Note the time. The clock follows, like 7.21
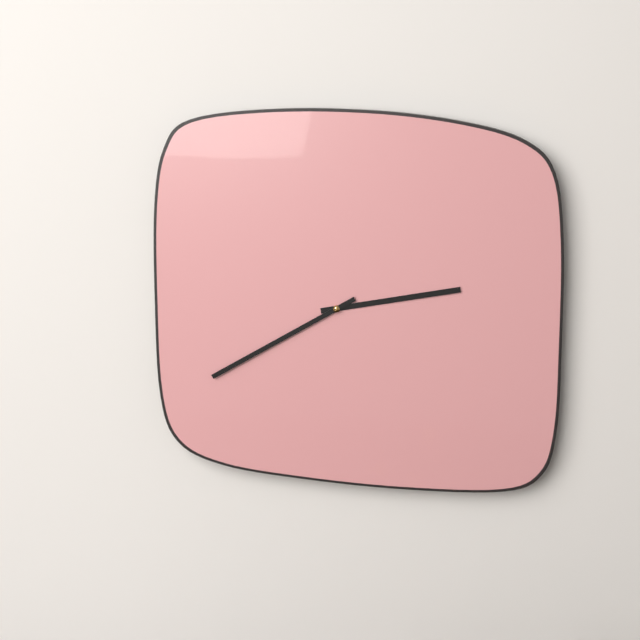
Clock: 2.40
